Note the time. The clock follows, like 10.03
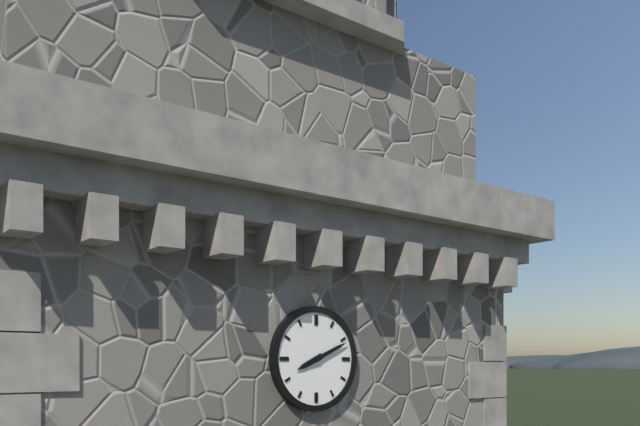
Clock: 8.11
